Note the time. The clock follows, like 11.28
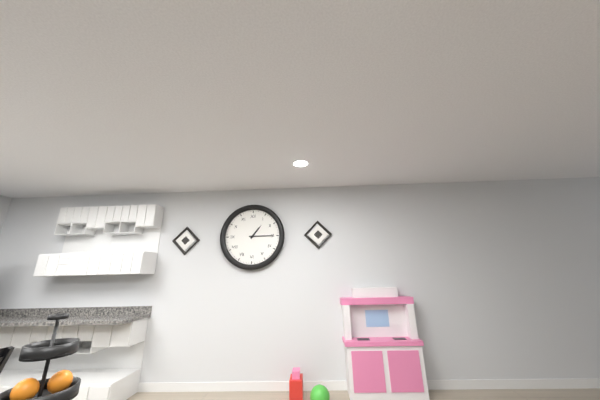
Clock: 1.15
